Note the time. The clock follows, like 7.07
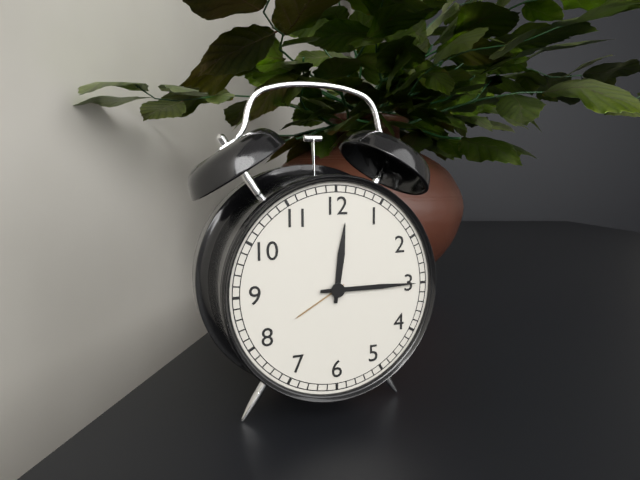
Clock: 12.15
